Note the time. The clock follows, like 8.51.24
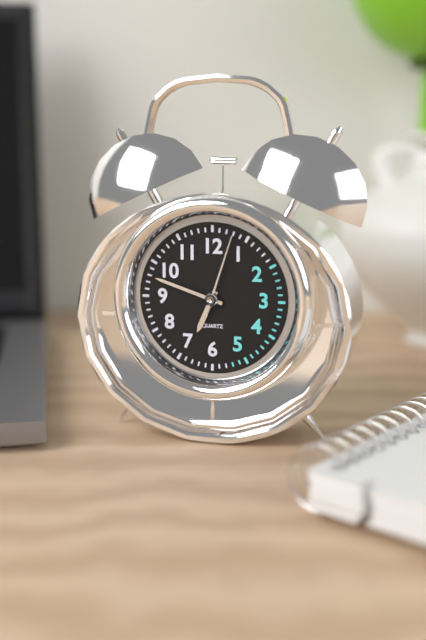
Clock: 6.48.03
